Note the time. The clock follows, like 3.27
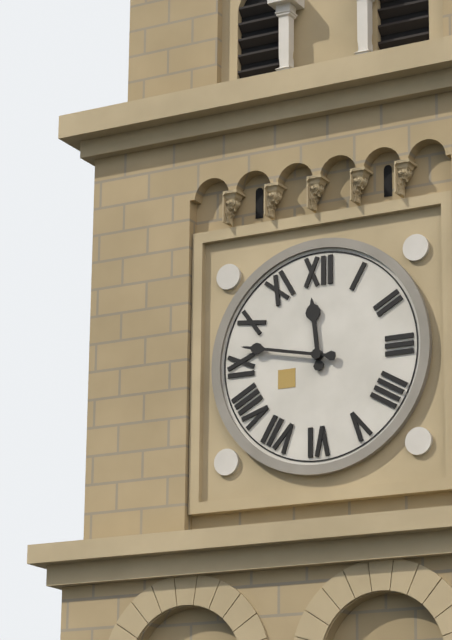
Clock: 11.47
